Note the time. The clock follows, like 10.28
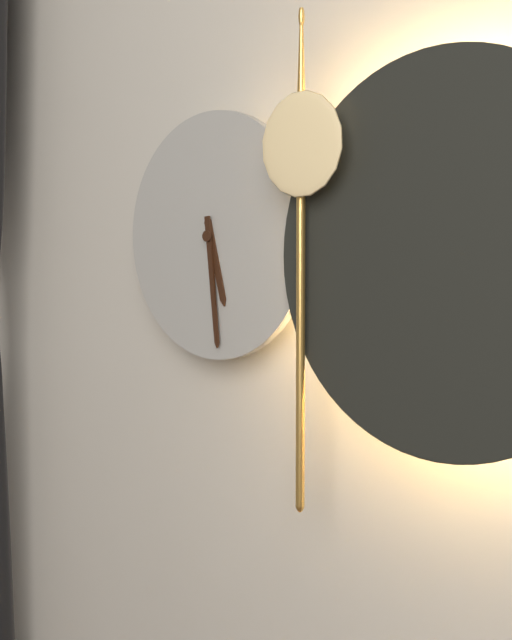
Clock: 5.29
